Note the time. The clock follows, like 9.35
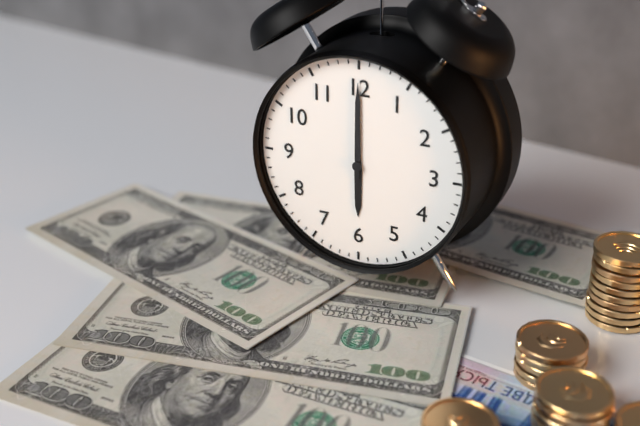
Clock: 6.00
